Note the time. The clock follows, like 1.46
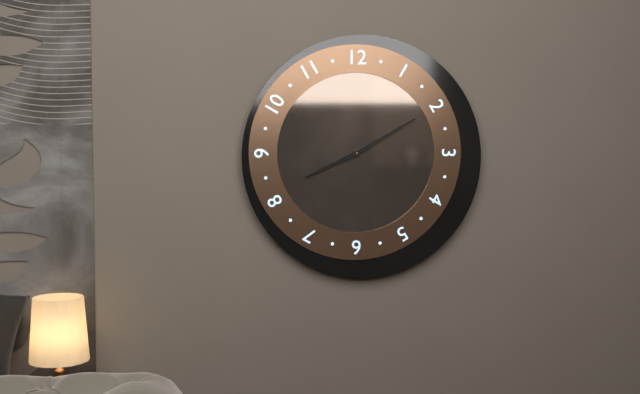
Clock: 8.10
